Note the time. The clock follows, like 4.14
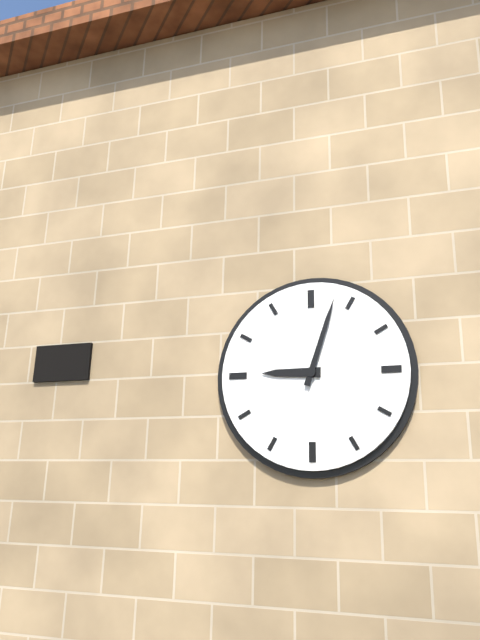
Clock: 9.03
